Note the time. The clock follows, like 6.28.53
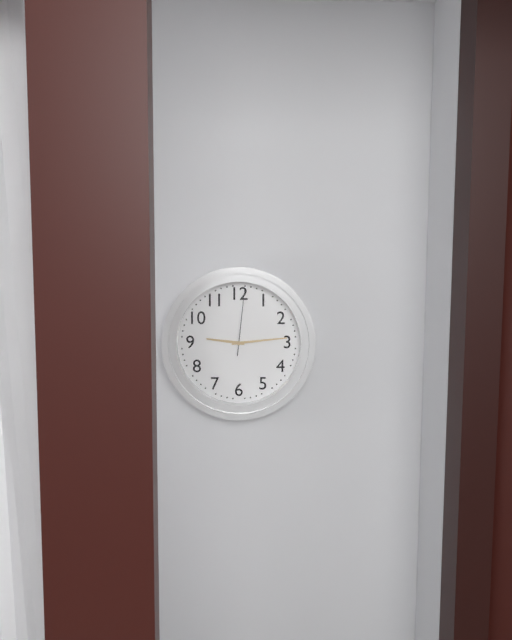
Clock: 9.14.01
